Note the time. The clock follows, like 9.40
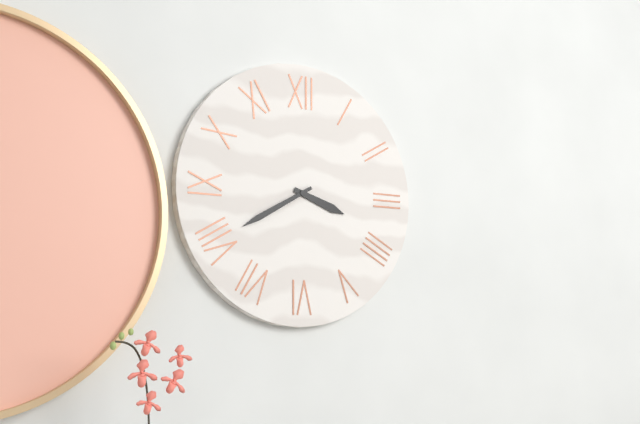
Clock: 3.40
